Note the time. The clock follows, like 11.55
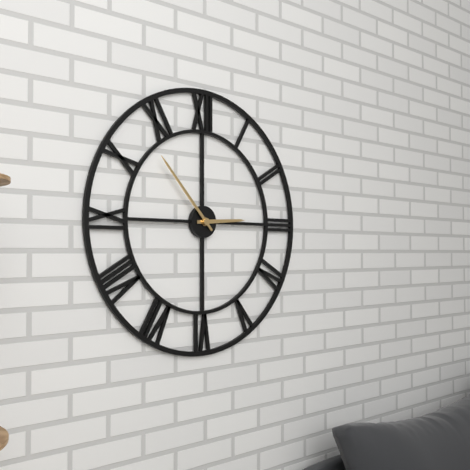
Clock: 2.53
